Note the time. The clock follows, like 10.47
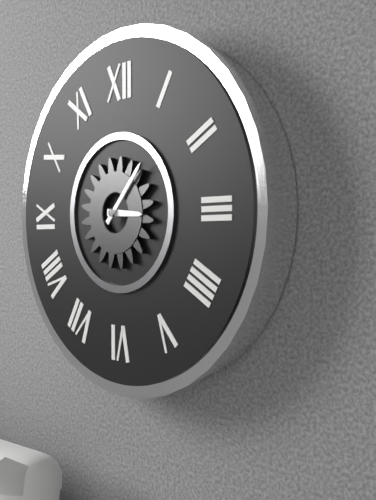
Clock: 3.07
